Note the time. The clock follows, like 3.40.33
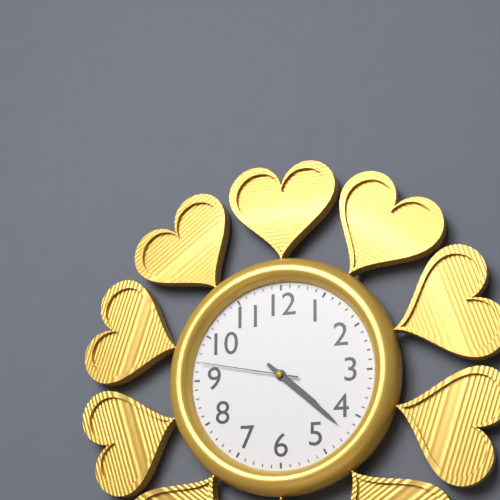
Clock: 4.22.47
